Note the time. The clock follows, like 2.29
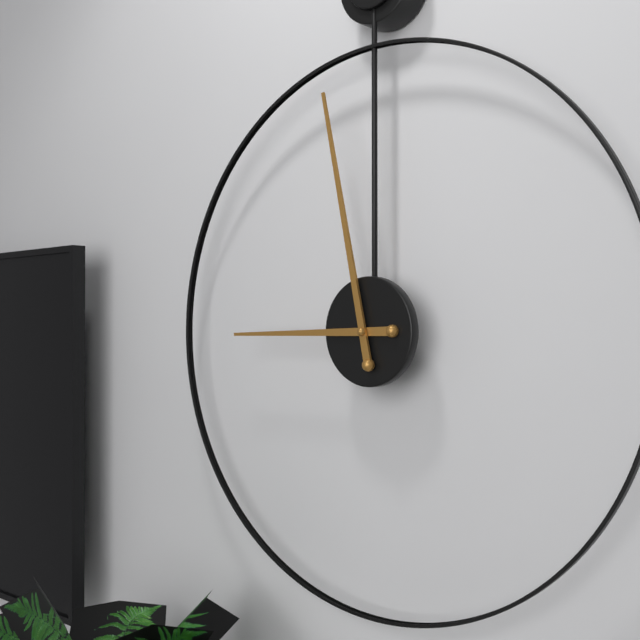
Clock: 8.58
